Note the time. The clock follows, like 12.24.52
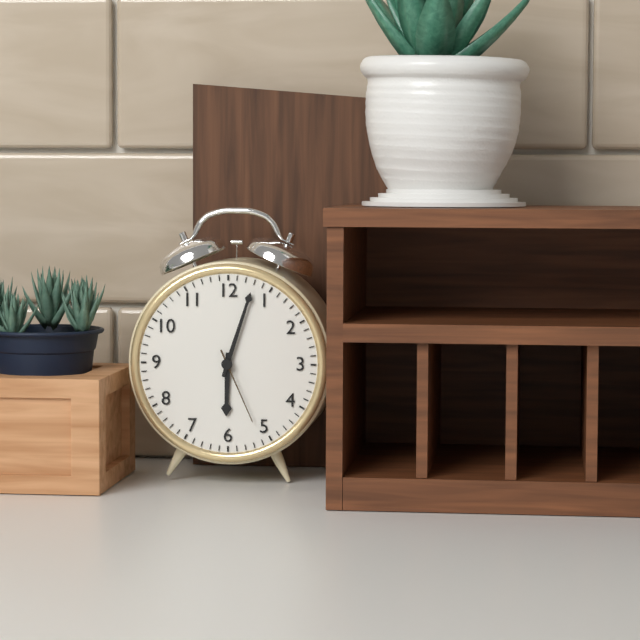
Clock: 6.03.26
